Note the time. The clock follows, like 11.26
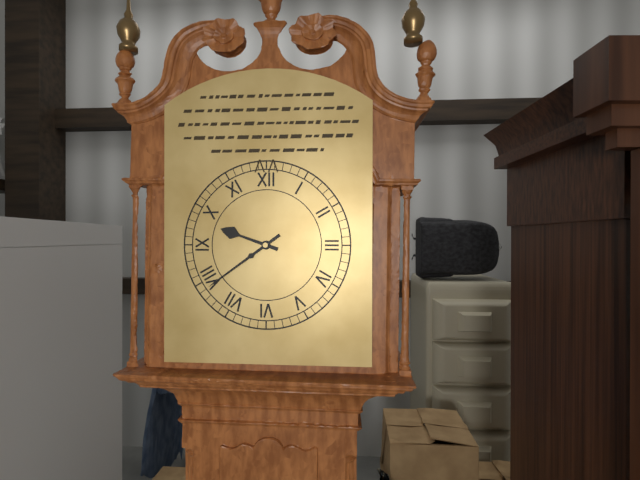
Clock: 9.39
